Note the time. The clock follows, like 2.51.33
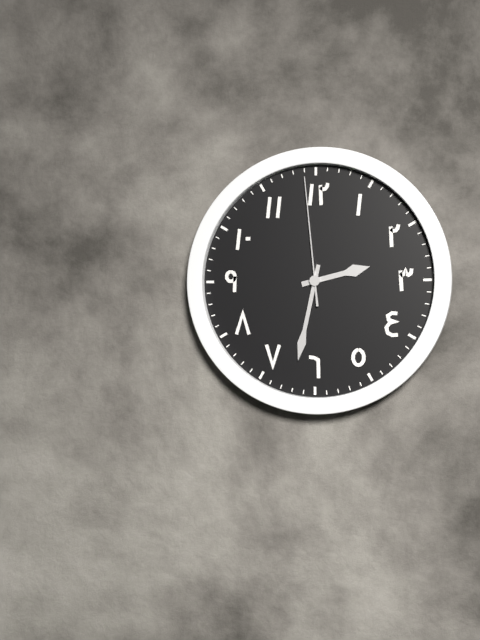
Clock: 2.32.59
